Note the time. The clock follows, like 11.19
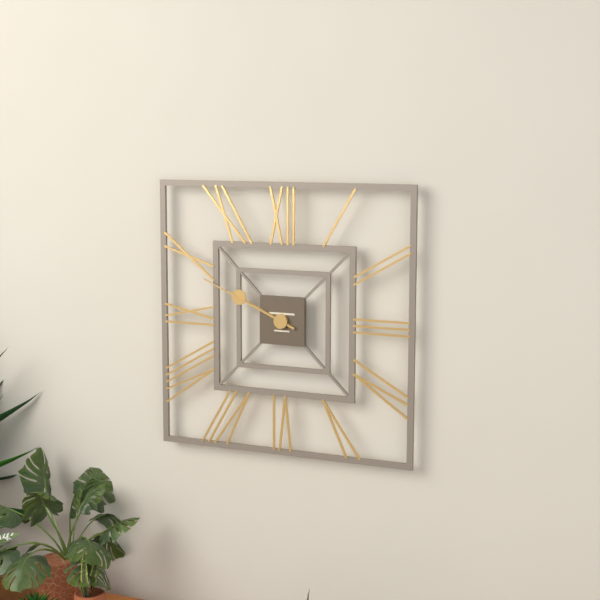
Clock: 9.49
